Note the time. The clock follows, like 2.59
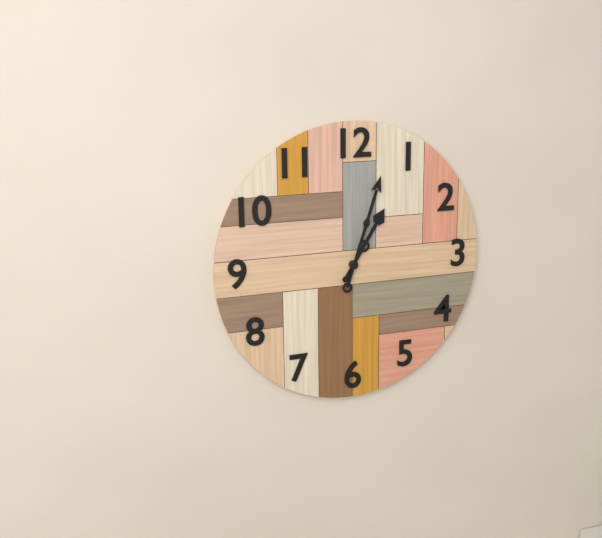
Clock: 1.03
